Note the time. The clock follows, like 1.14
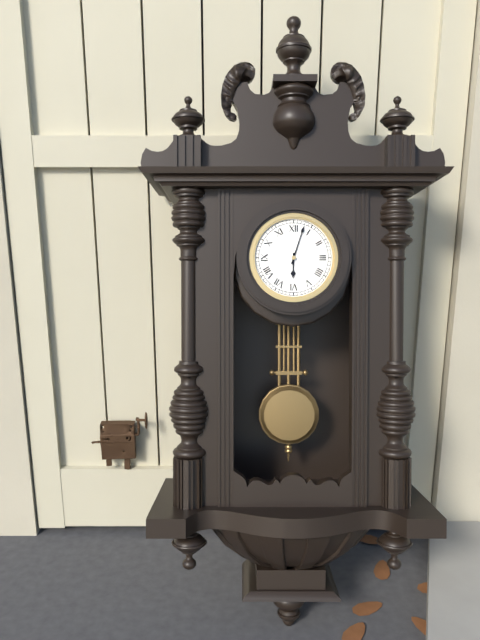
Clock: 6.03
